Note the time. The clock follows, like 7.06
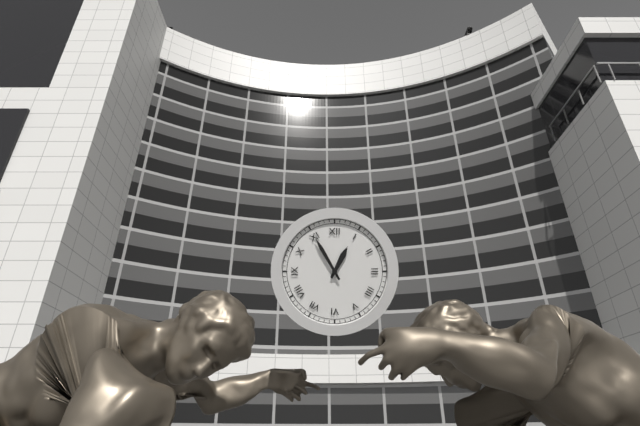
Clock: 12.55
